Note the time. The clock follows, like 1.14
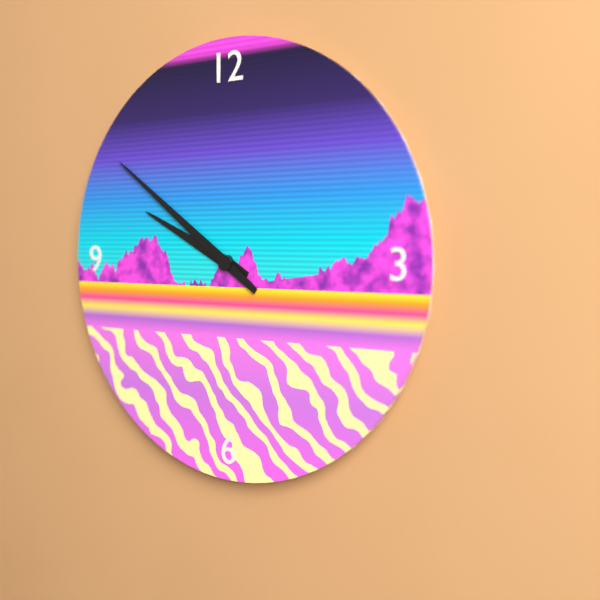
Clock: 9.51
